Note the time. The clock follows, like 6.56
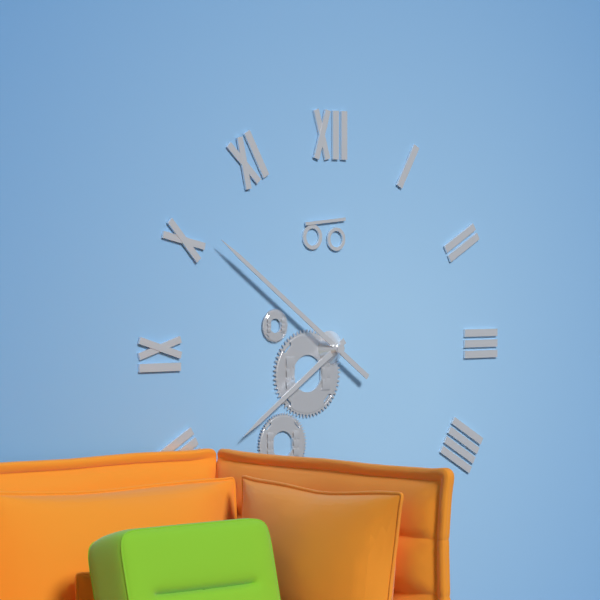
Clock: 7.51
